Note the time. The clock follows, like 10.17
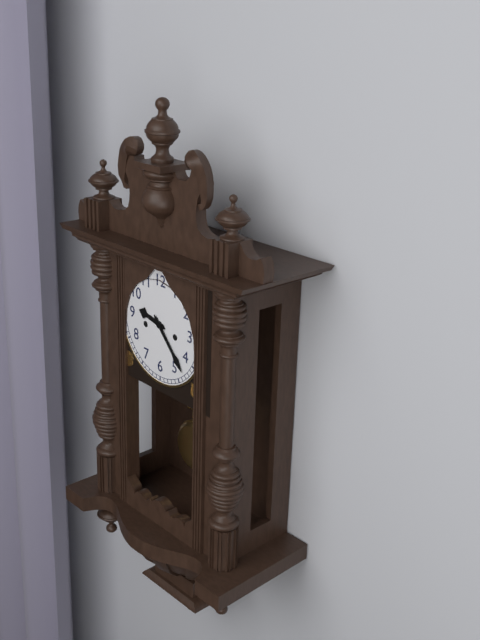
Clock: 9.23
